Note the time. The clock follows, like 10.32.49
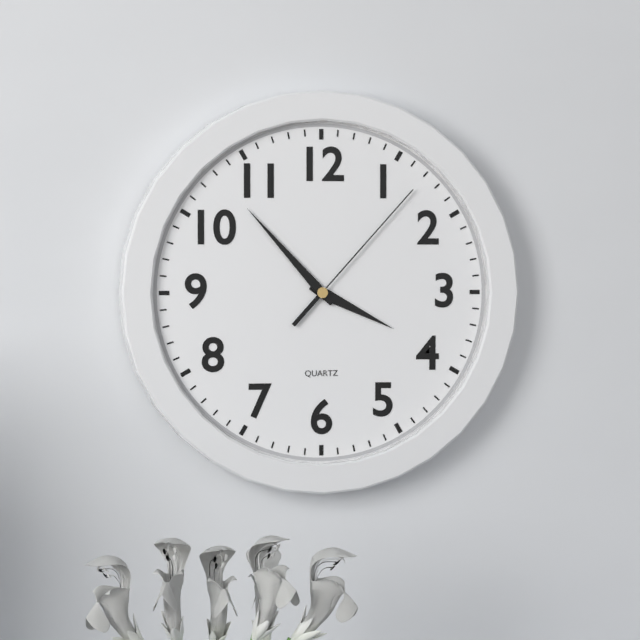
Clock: 3.53.07
